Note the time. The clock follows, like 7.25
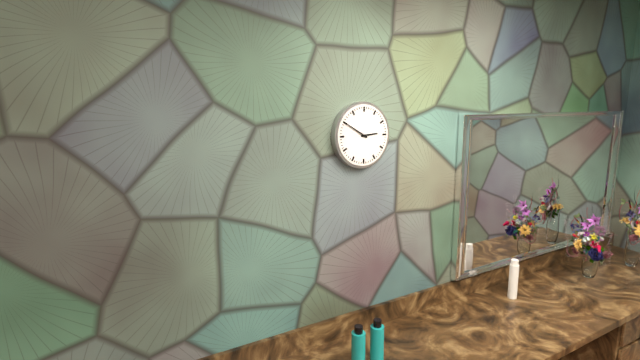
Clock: 2.50
